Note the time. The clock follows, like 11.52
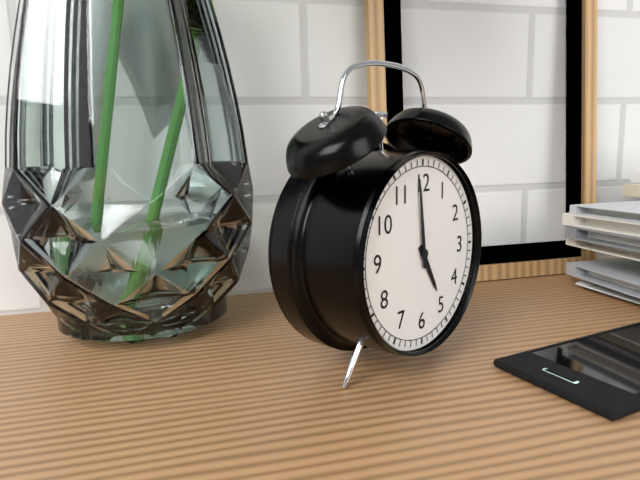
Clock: 4.59
